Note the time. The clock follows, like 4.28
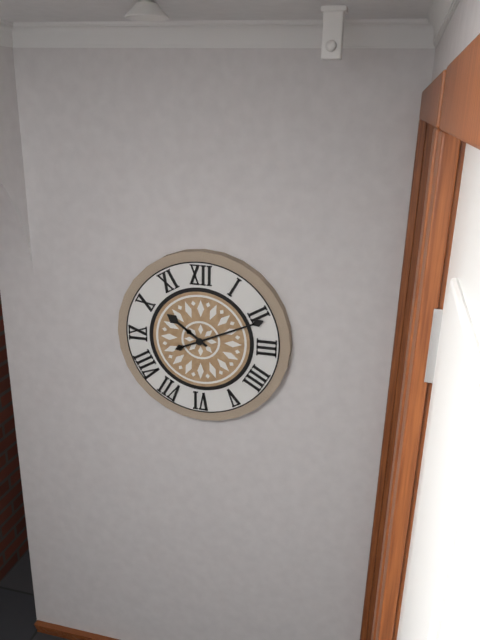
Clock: 10.11
